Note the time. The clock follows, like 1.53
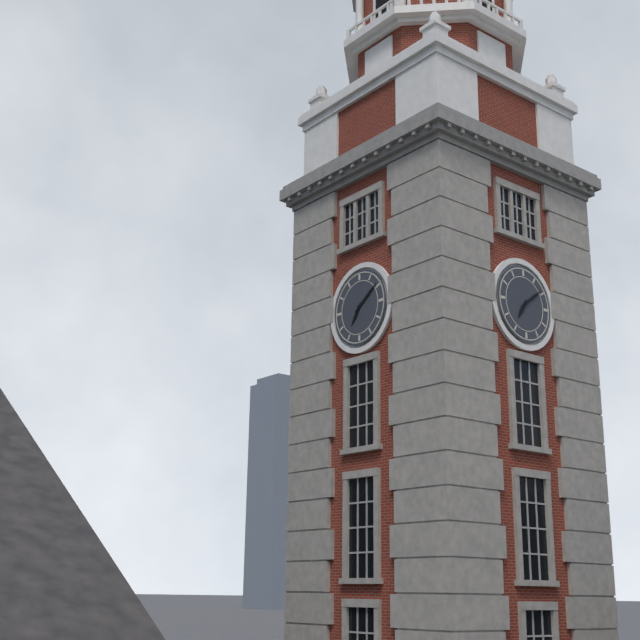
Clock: 7.09
